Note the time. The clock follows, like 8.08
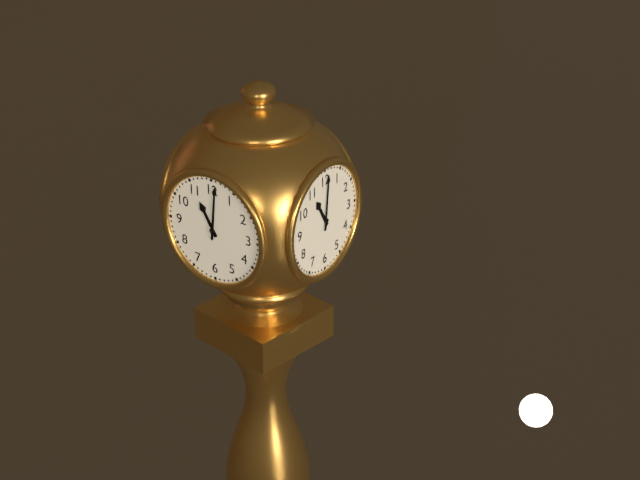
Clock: 11.01
